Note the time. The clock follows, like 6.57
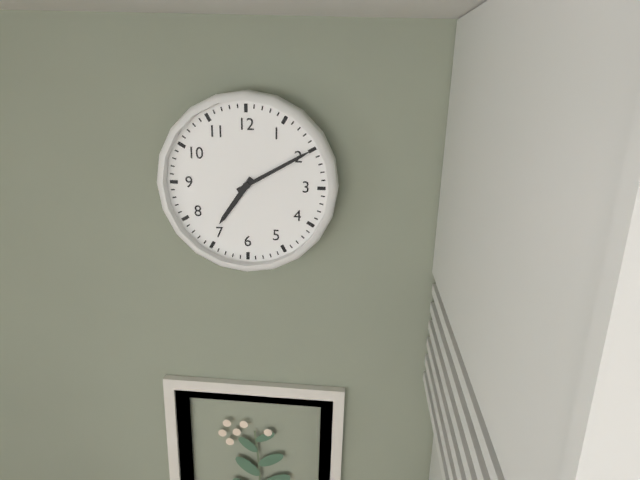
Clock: 7.10
